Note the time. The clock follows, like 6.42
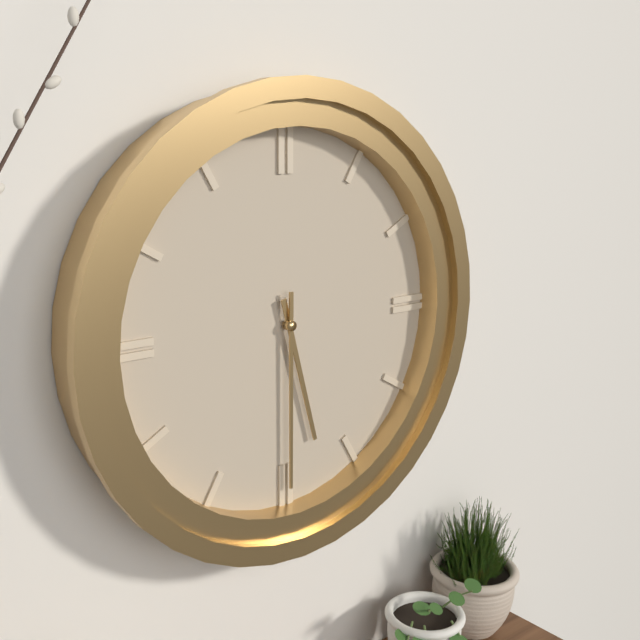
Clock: 5.30
